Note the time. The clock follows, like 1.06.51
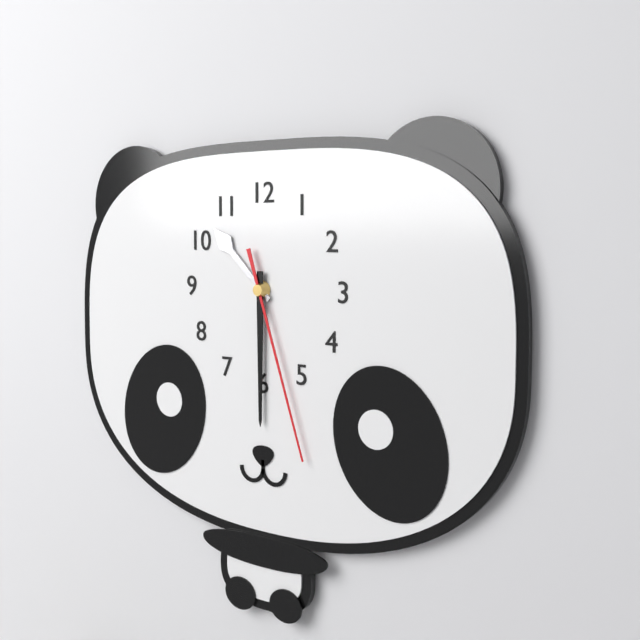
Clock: 10.30.27
